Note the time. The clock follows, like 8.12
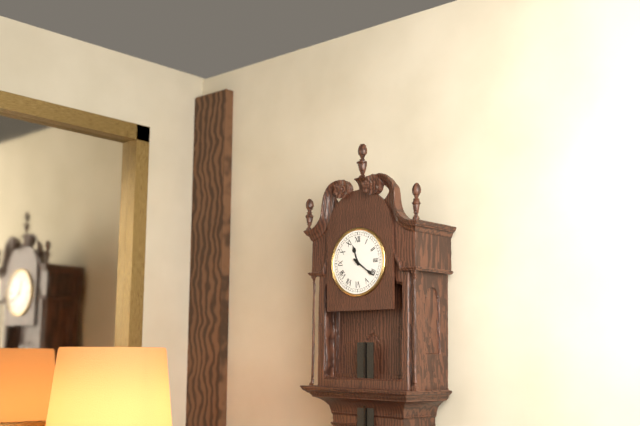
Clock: 11.21
